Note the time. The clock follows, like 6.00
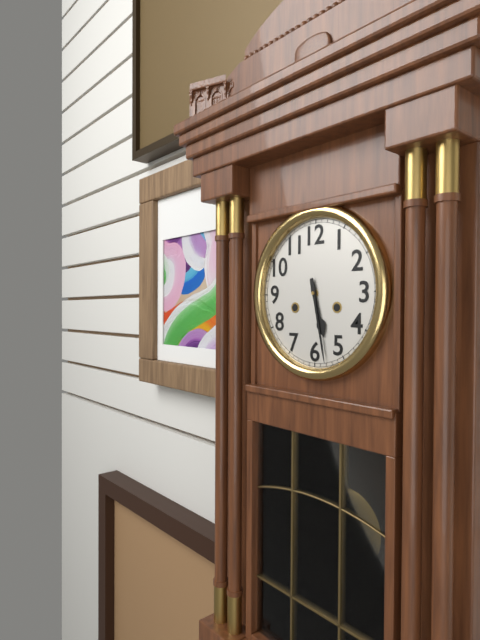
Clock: 5.28
